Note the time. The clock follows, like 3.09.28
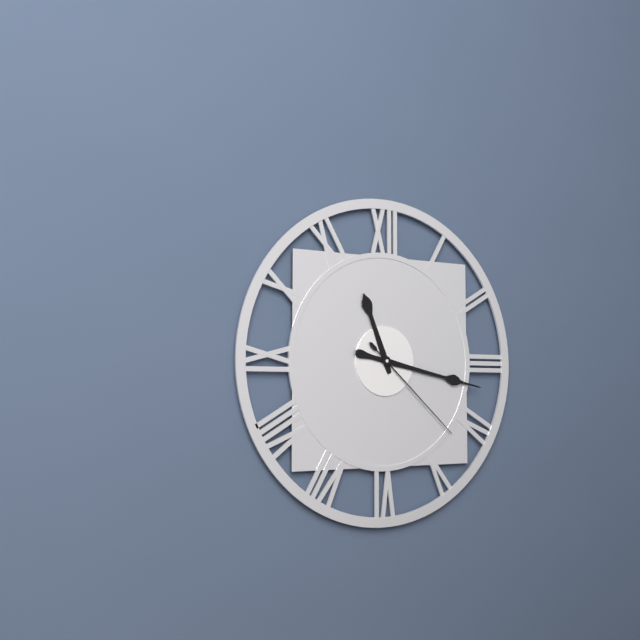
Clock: 11.17.22
